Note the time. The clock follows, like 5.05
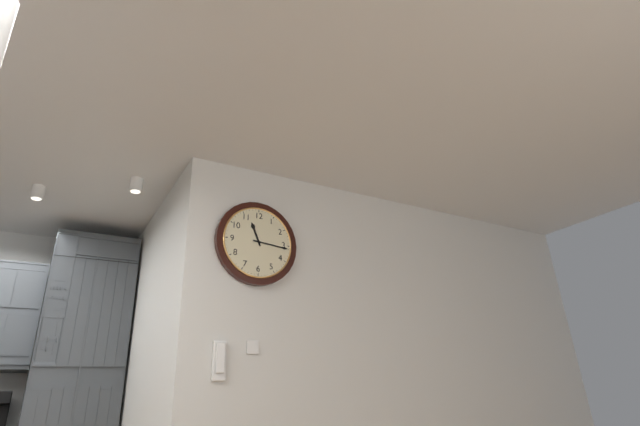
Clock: 11.16
